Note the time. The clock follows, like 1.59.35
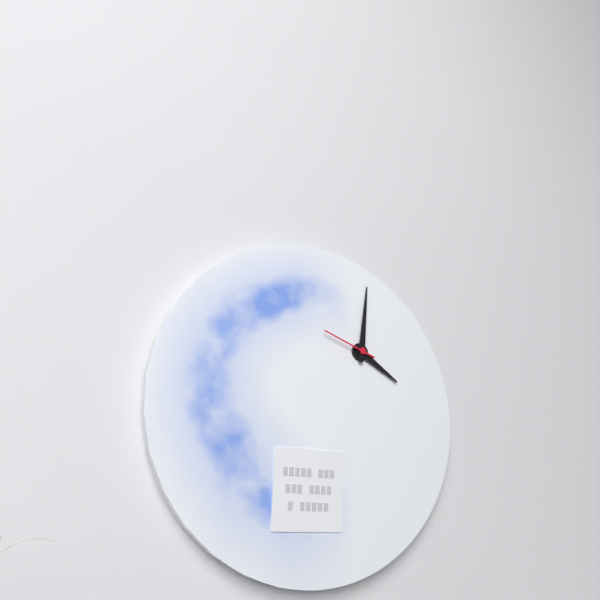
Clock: 4.01.48
